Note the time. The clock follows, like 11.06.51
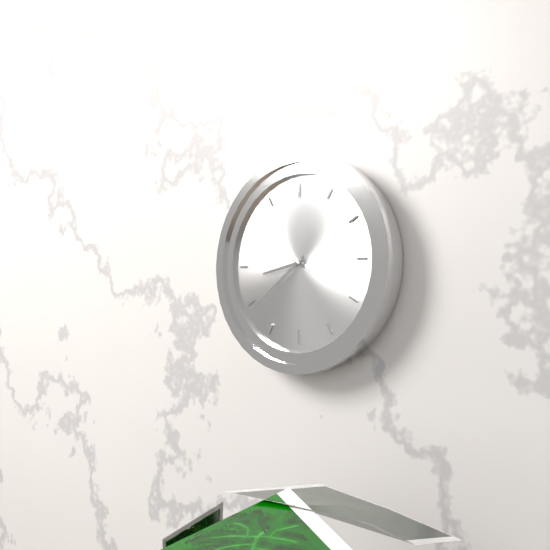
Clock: 8.39.50
